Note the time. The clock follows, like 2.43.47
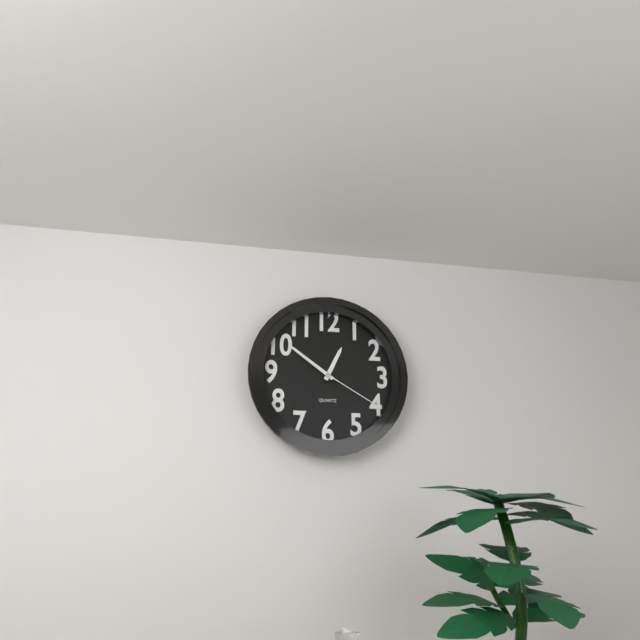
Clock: 12.51.20
